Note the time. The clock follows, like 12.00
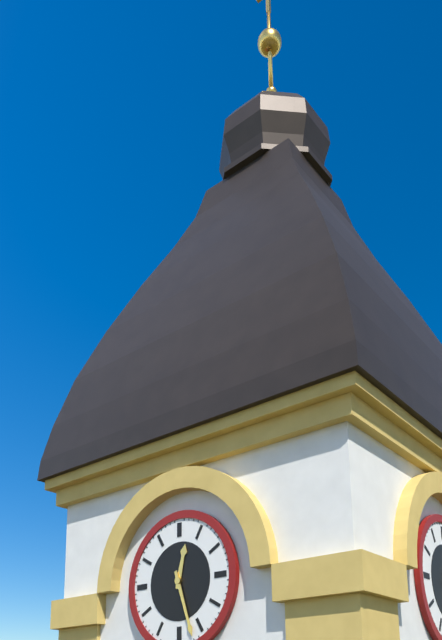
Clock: 12.27
